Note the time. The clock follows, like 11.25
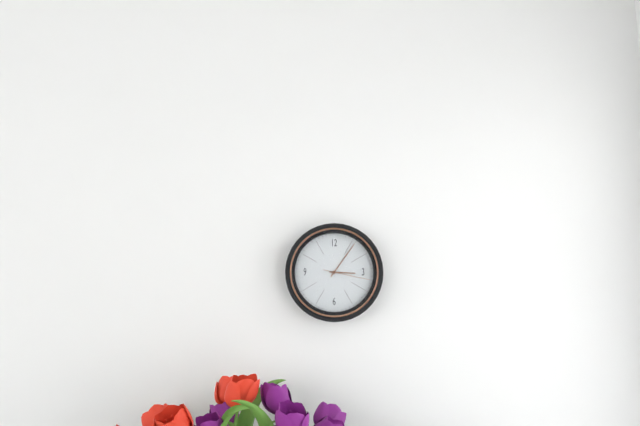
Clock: 3.06
